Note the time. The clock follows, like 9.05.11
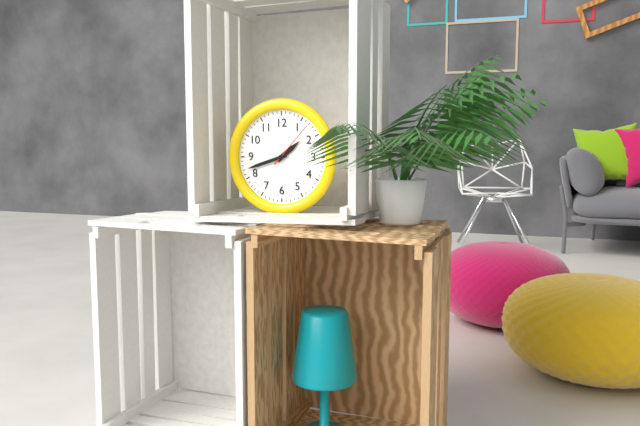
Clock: 1.42.07
